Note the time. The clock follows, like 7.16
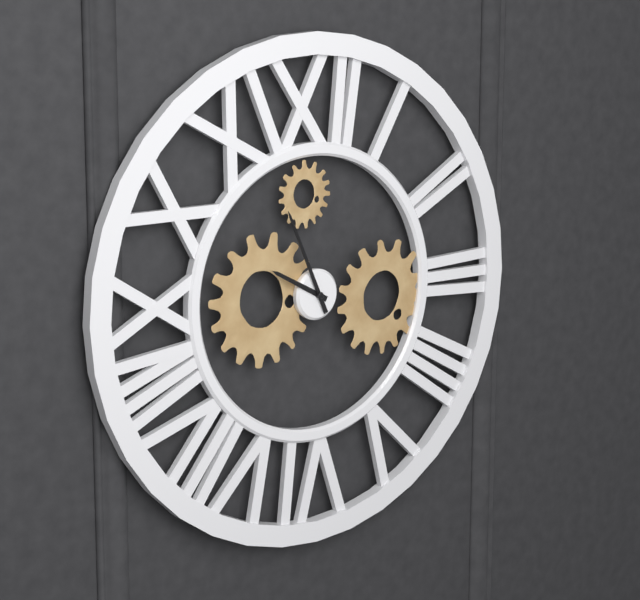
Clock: 9.56
